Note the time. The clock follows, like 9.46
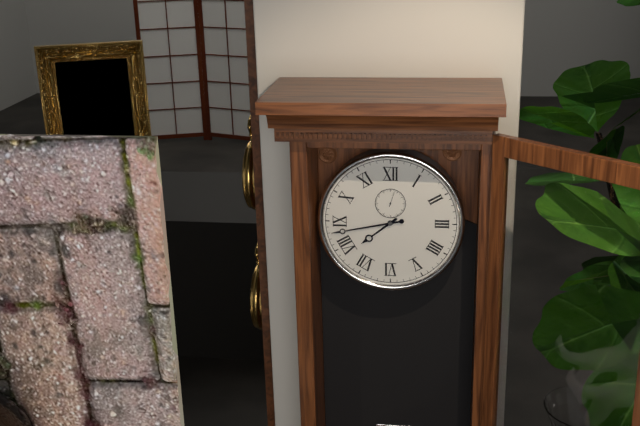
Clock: 7.43
